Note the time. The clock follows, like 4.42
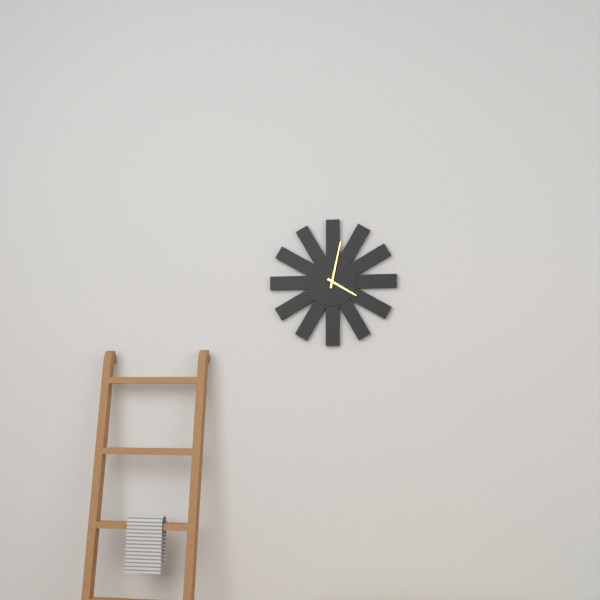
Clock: 4.02
